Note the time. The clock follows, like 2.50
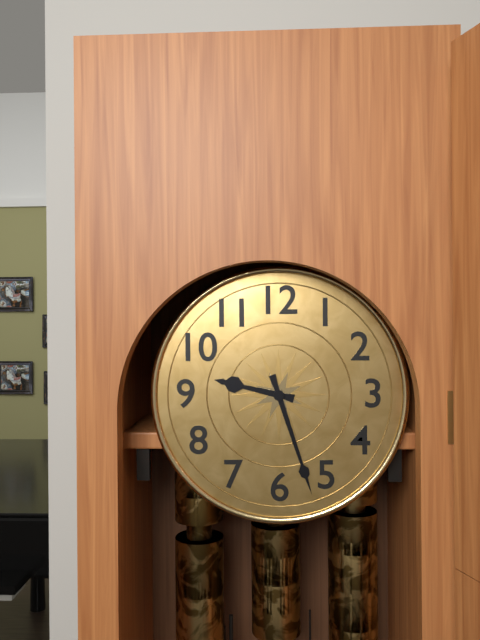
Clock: 9.27
